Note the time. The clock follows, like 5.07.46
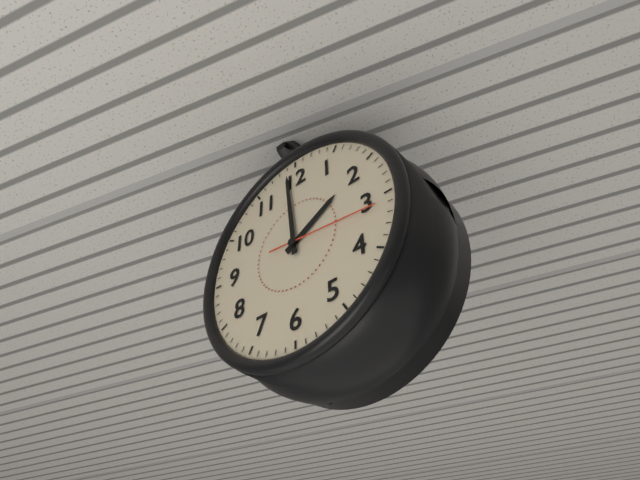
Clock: 1.59.16
